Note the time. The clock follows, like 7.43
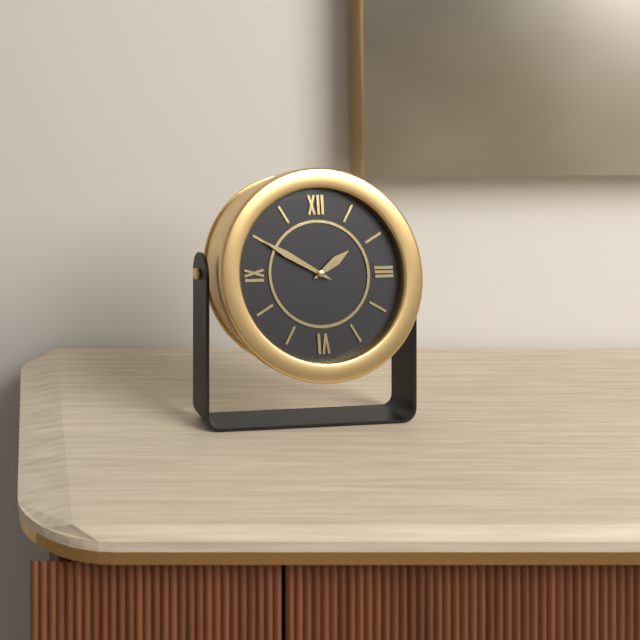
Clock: 1.50
